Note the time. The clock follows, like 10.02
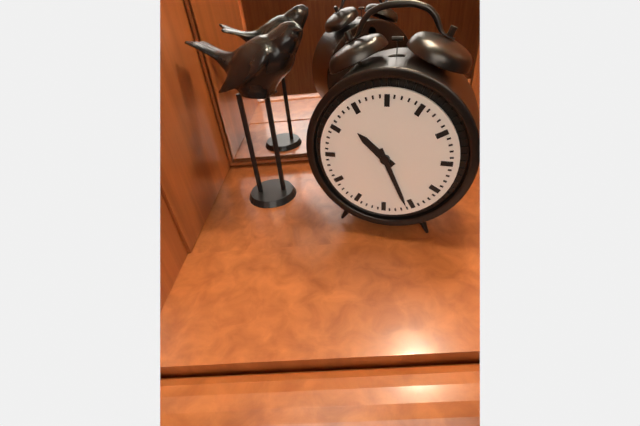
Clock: 10.26
